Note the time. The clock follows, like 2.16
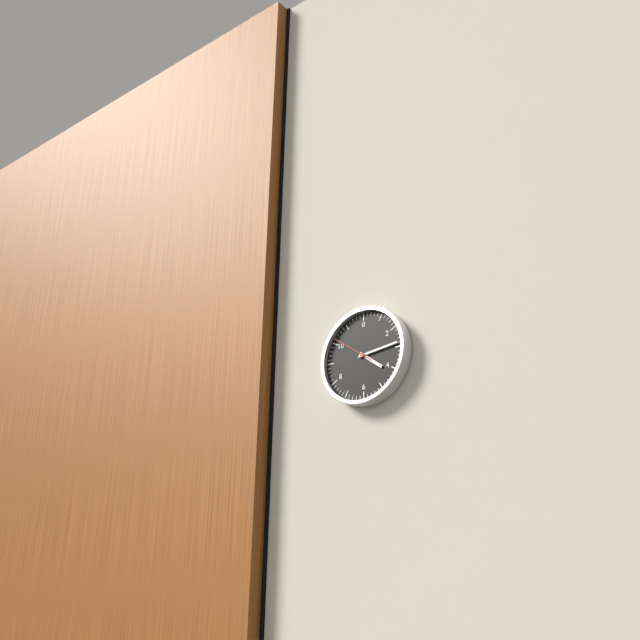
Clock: 4.14
